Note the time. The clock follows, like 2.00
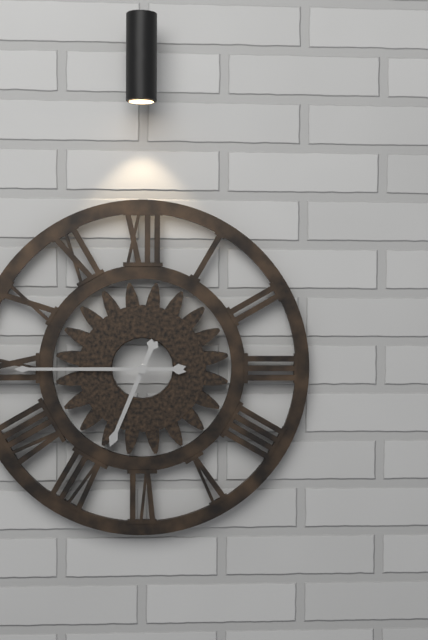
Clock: 6.45
